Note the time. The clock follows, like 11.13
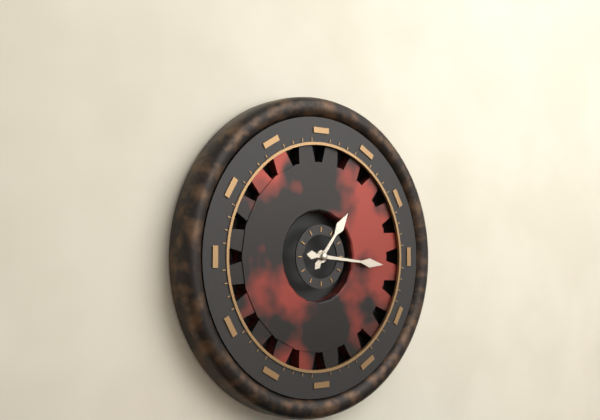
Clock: 1.16
